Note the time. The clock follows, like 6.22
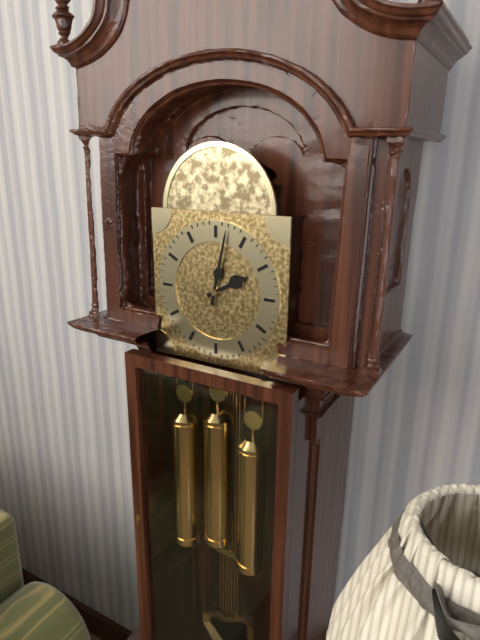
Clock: 2.02
